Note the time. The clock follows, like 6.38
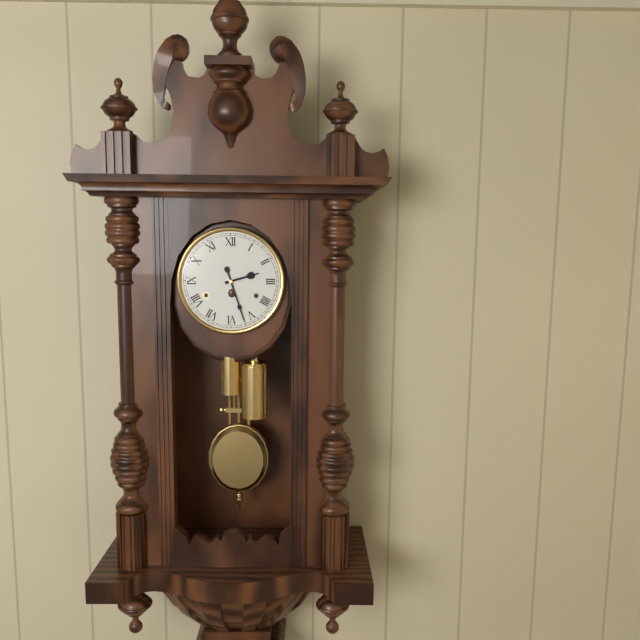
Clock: 2.27
